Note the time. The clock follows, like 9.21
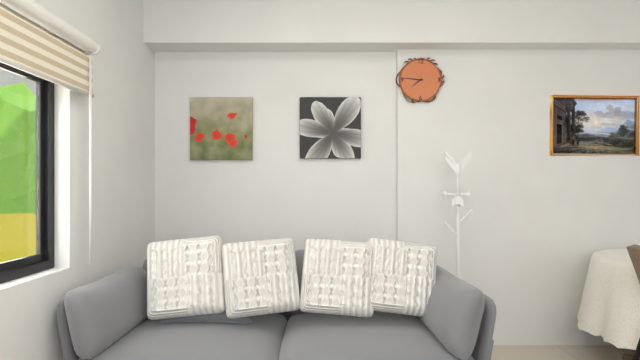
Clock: 7.46
